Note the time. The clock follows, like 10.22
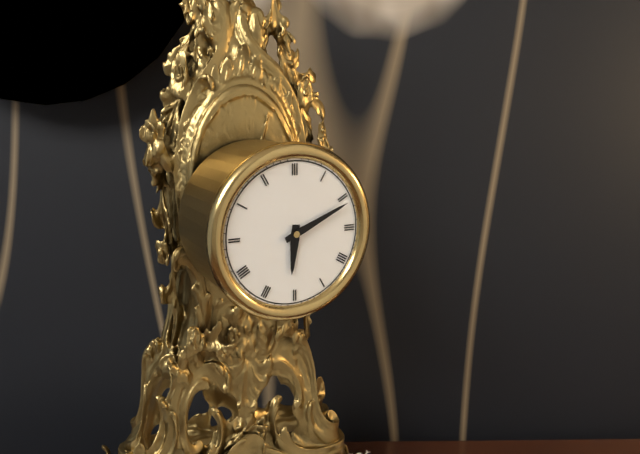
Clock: 6.11
